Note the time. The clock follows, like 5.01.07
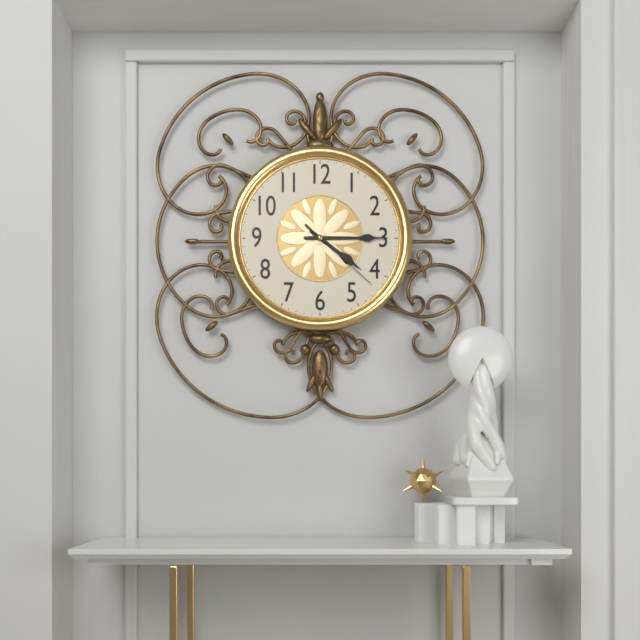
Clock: 4.15.22
